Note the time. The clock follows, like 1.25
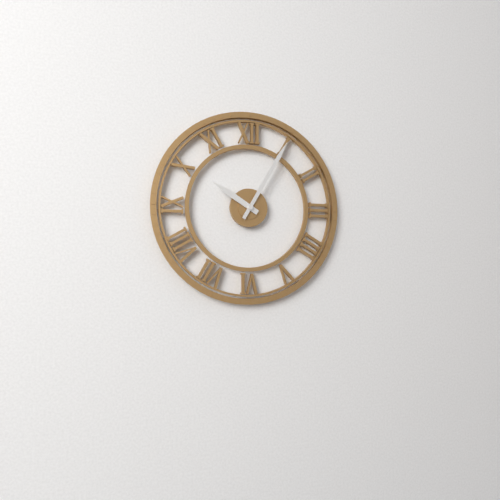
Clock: 10.05
